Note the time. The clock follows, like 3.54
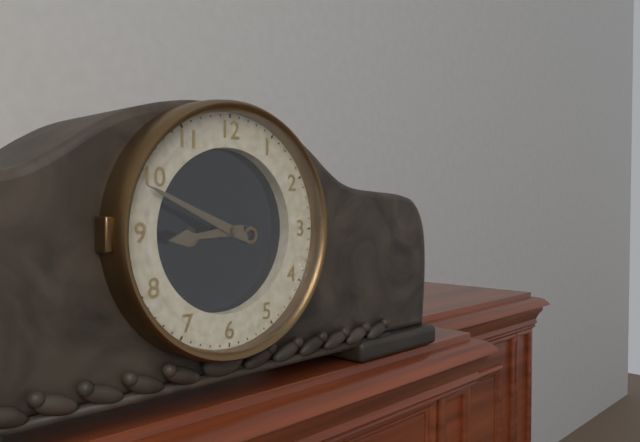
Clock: 8.49
